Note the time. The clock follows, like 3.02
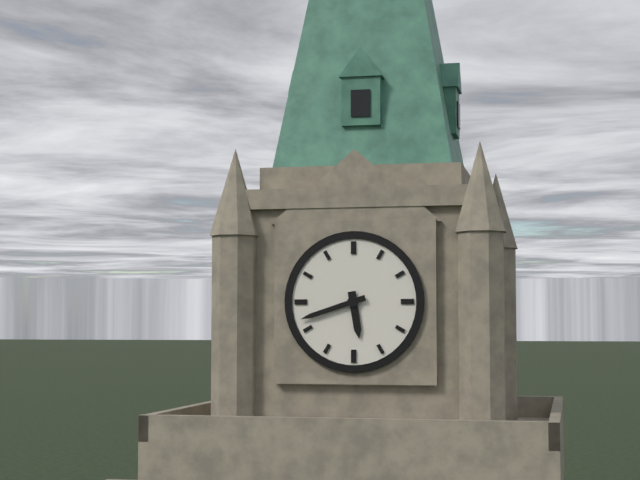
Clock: 5.42
